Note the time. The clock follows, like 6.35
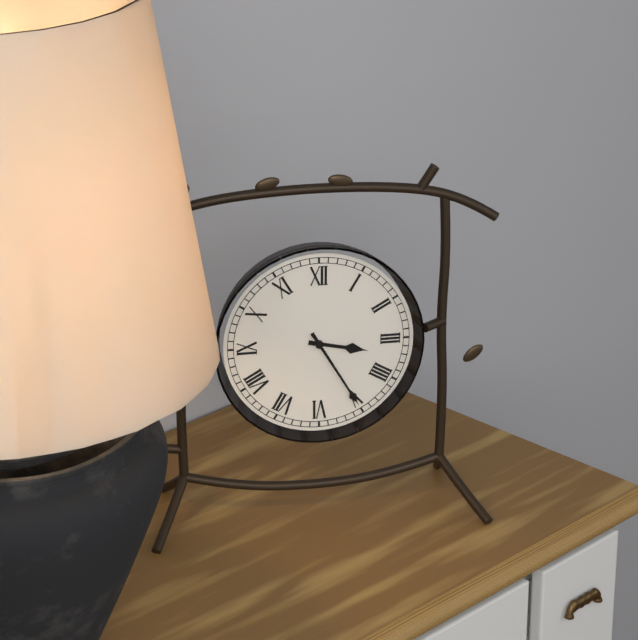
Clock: 3.25
